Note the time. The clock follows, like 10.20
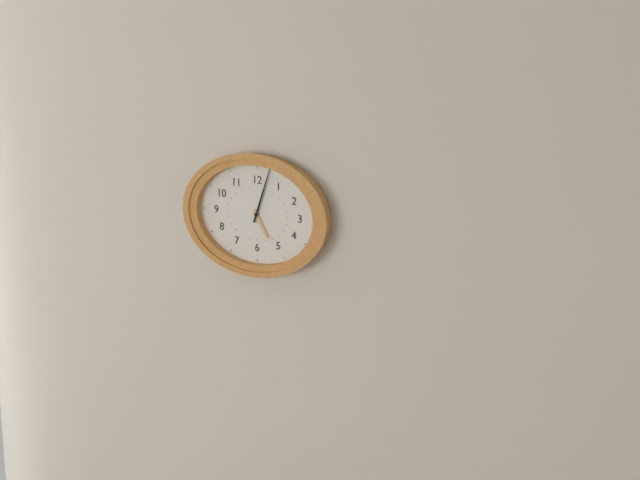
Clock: 5.03
